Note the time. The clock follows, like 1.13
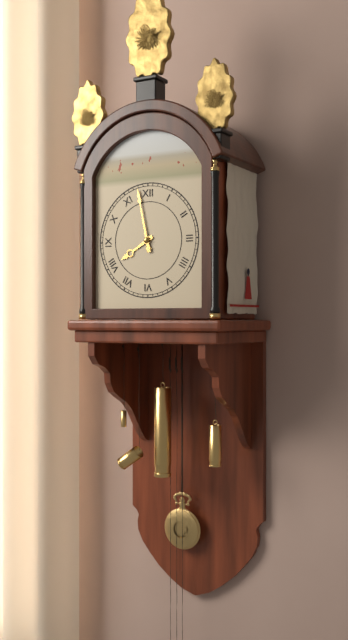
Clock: 7.58
